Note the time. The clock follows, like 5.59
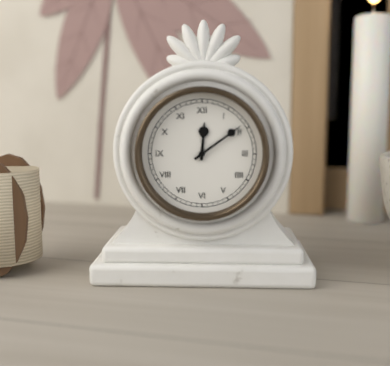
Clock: 12.09
